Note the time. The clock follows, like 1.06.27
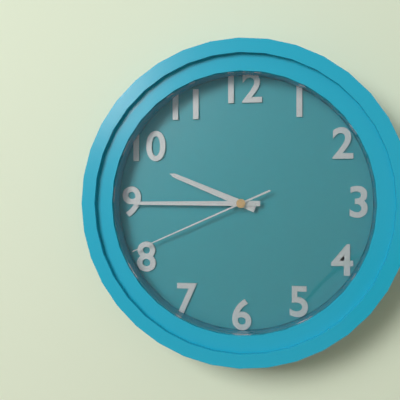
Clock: 9.45.41
